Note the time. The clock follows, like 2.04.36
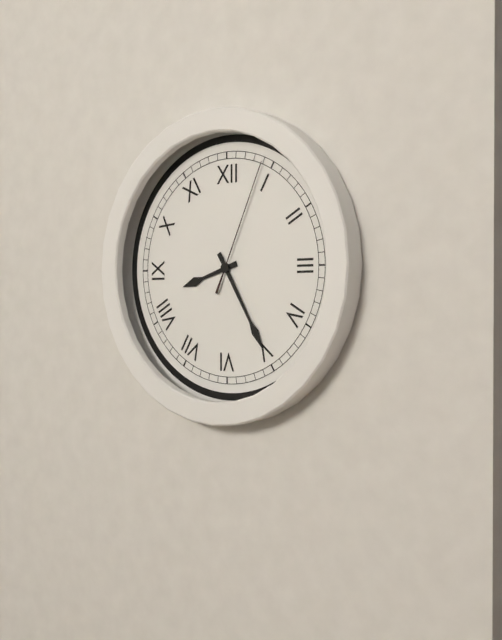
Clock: 8.25.04
